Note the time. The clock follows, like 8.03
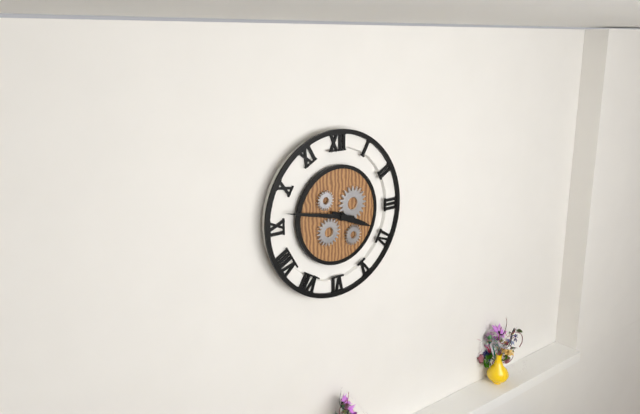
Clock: 3.47
